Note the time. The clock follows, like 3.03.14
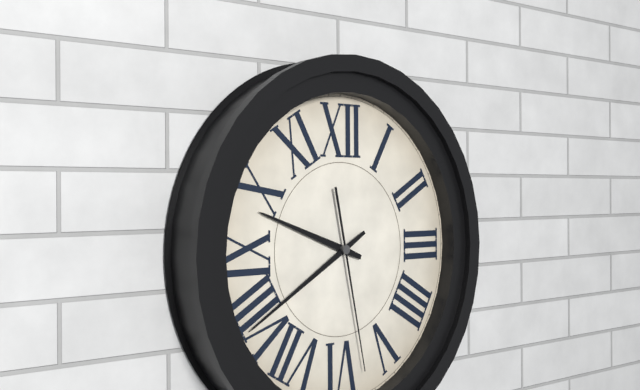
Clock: 9.40.28
